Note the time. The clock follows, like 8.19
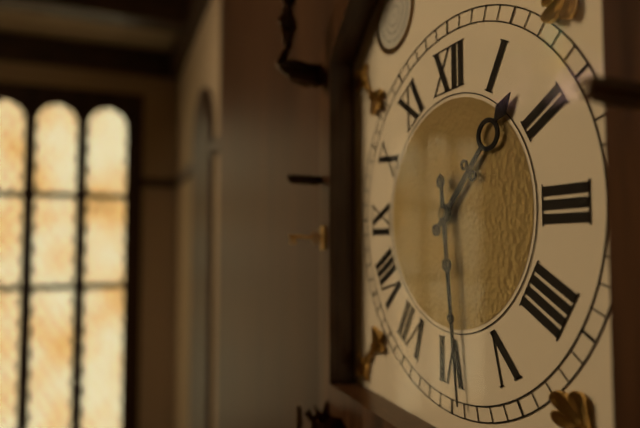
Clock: 1.29
